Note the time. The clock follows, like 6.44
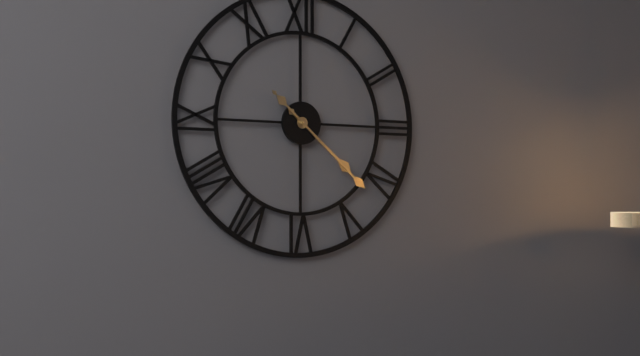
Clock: 4.22
